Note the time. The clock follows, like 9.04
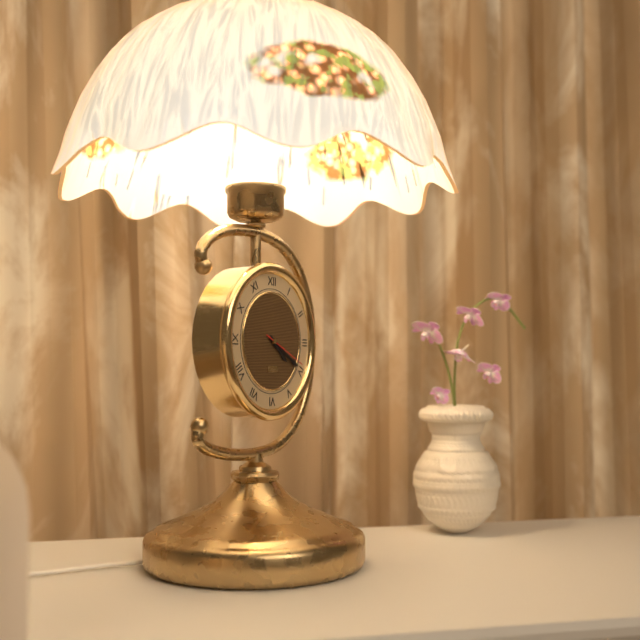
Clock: 4.20
